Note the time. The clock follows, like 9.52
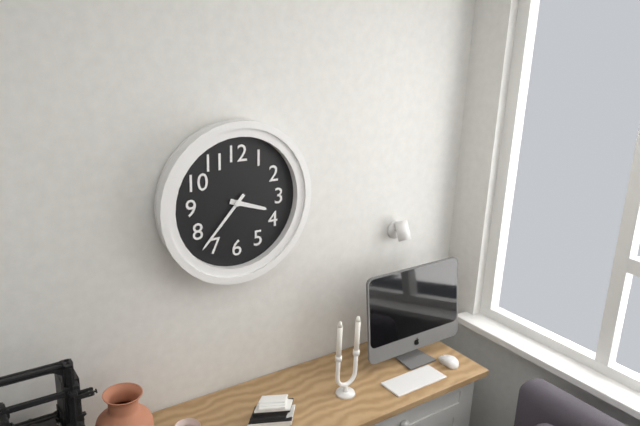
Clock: 3.37
